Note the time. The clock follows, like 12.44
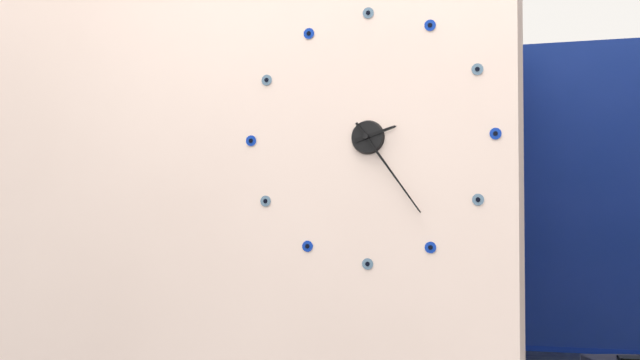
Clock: 2.24
